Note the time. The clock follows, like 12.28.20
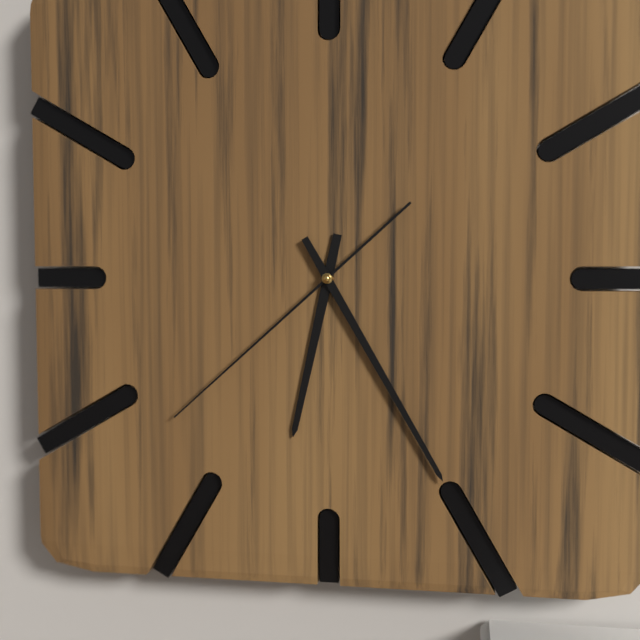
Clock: 6.25.38
